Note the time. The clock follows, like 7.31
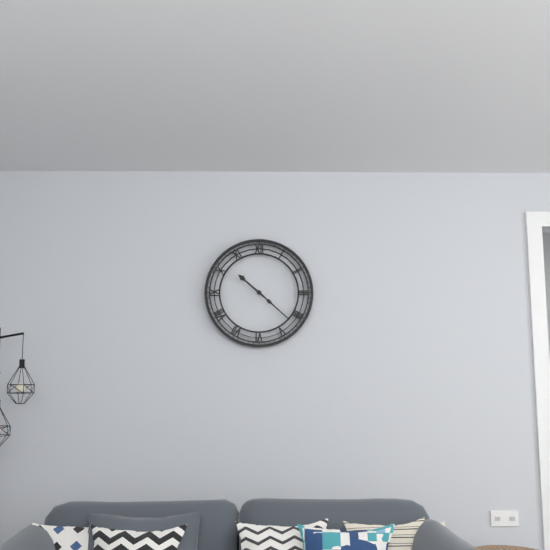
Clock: 10.22
